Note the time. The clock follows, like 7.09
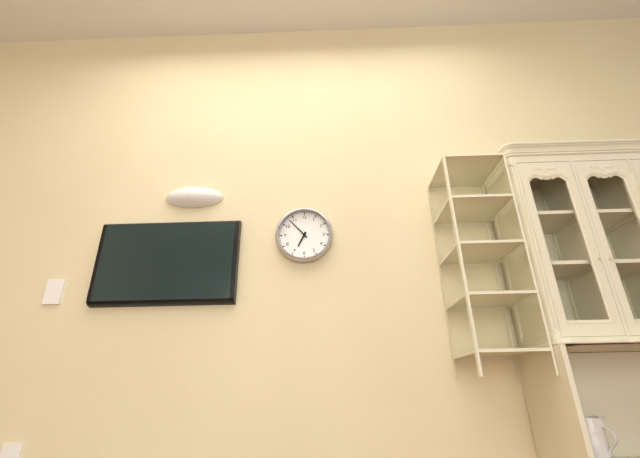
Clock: 6.53
